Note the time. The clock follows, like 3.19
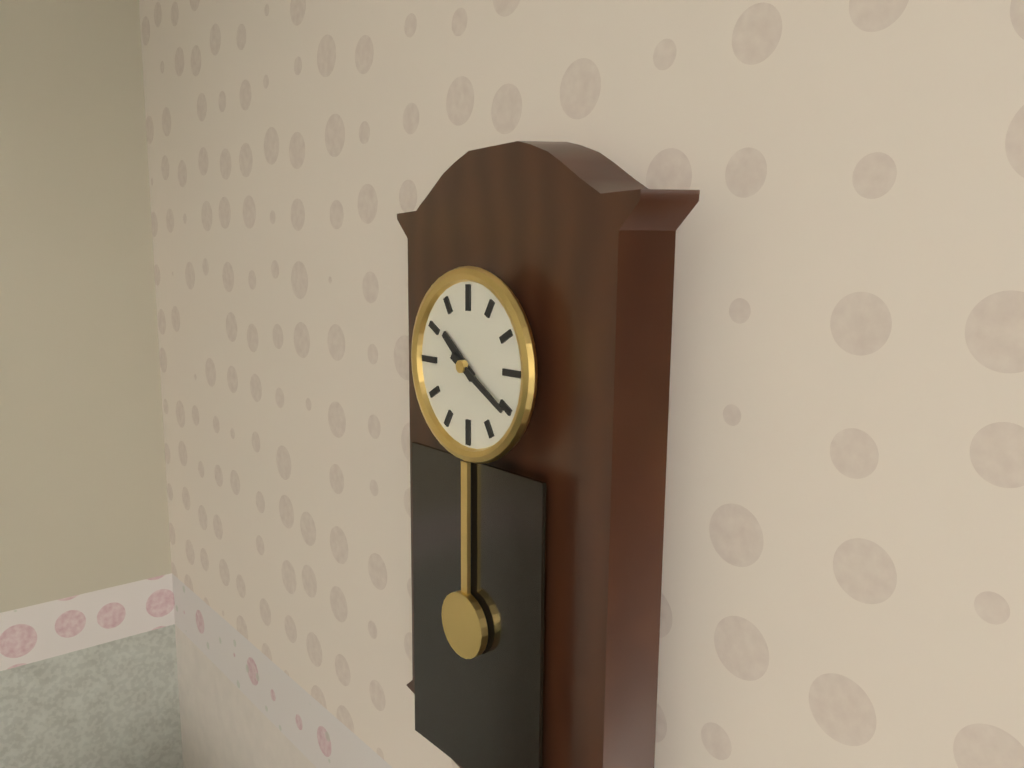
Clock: 10.20
